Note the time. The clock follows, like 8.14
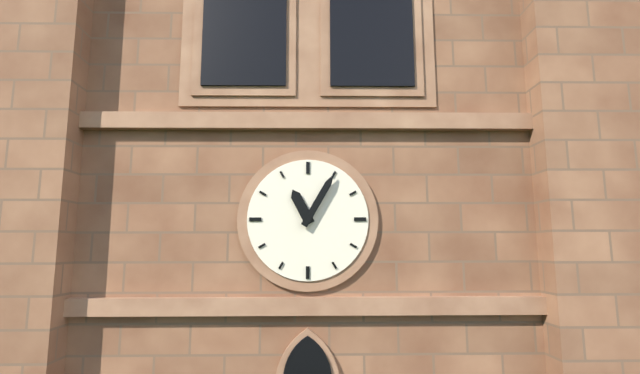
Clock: 11.05
